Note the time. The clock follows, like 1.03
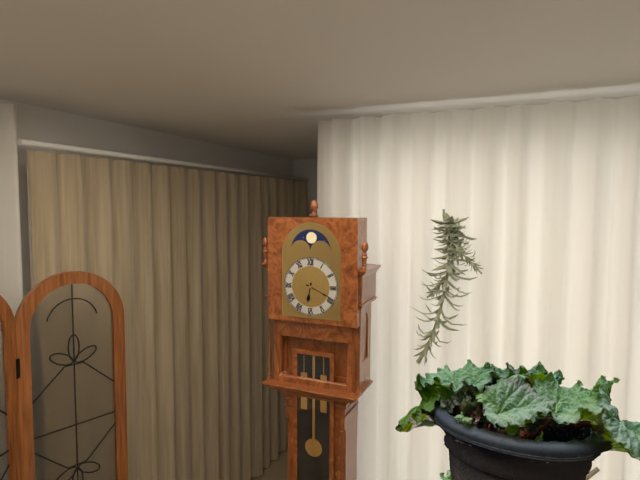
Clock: 6.19
